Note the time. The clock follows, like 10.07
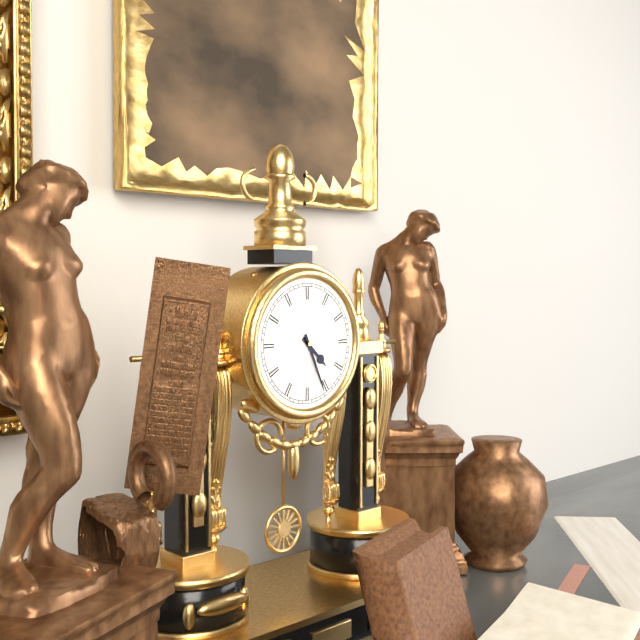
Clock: 4.26
